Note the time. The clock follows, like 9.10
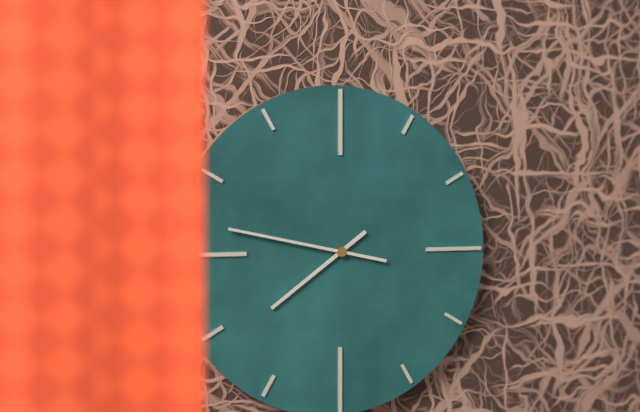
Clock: 7.47
